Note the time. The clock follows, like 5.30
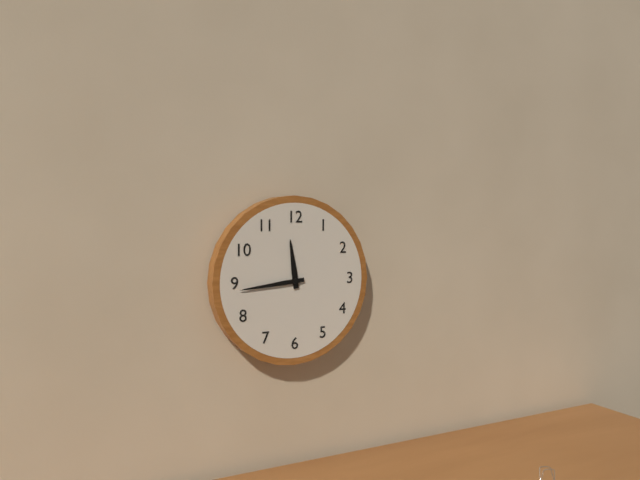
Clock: 11.44
